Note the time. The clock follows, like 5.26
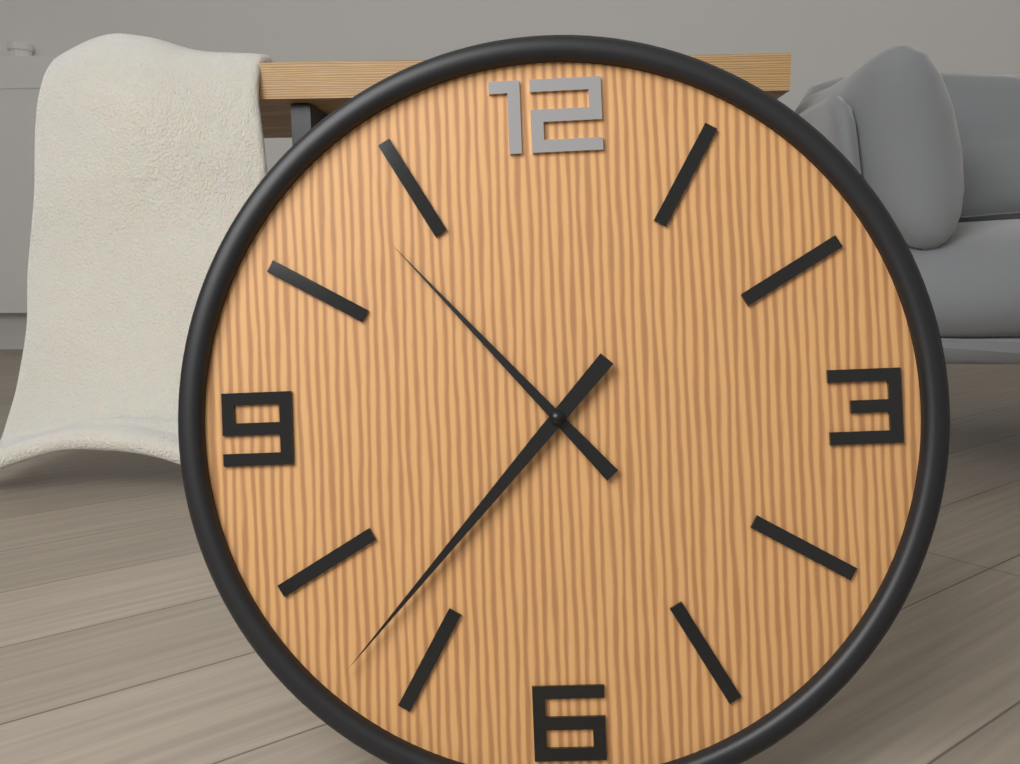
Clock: 10.37
